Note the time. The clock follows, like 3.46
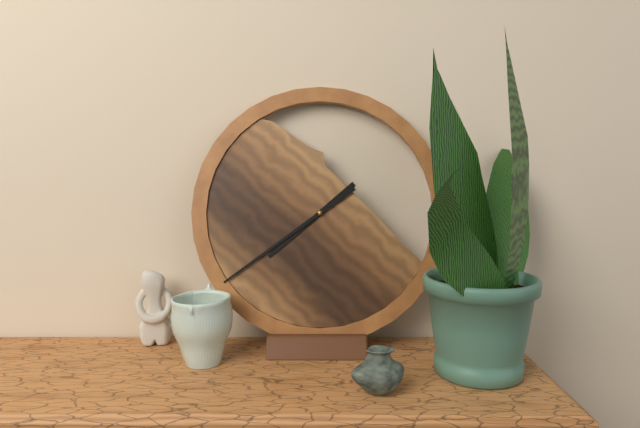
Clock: 7.39
